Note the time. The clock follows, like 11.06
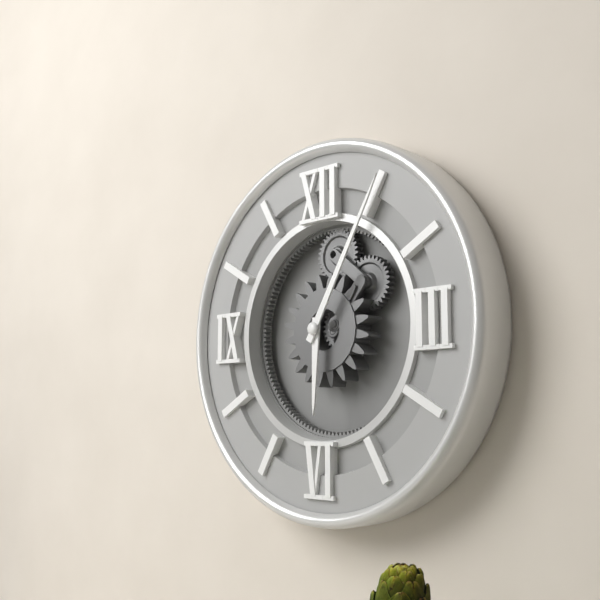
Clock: 6.05
